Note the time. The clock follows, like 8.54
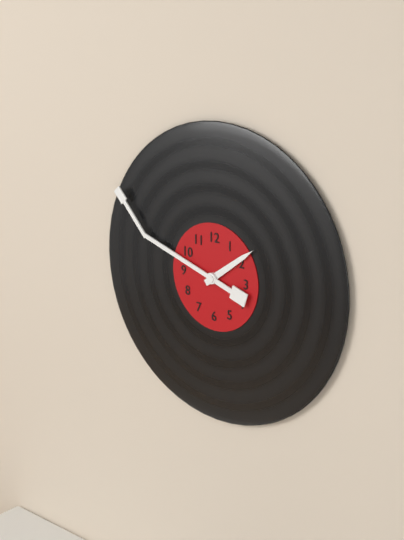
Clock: 1.48
